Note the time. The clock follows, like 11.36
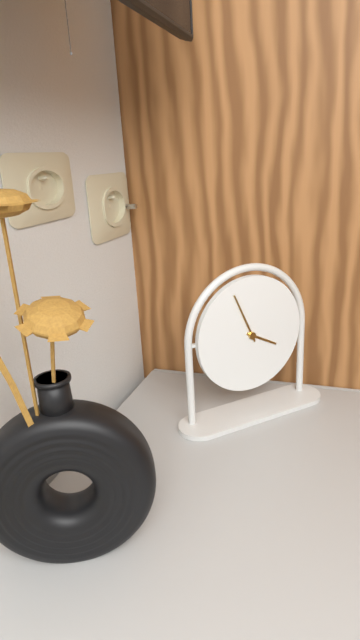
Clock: 3.56
